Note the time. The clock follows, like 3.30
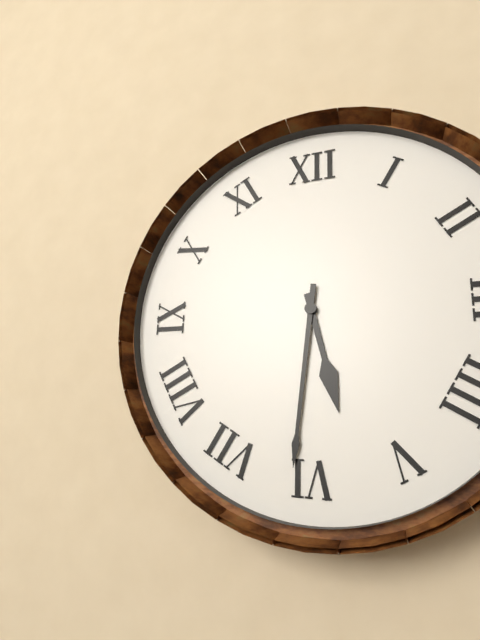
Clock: 5.31
